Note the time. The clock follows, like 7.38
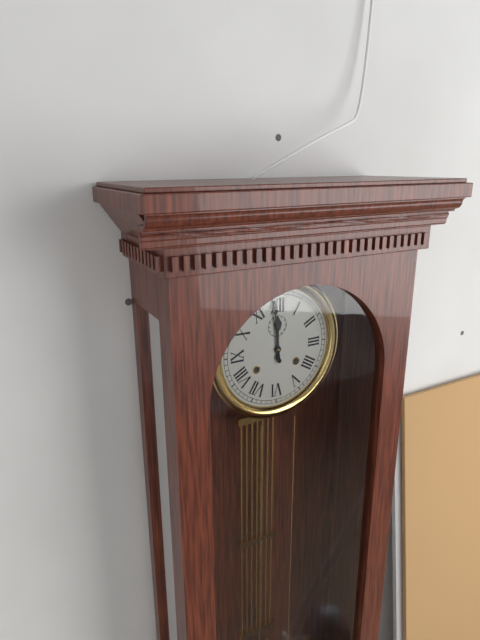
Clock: 11.59
